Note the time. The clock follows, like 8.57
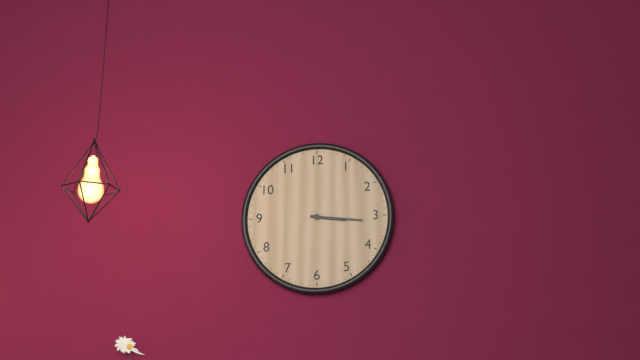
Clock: 3.16
